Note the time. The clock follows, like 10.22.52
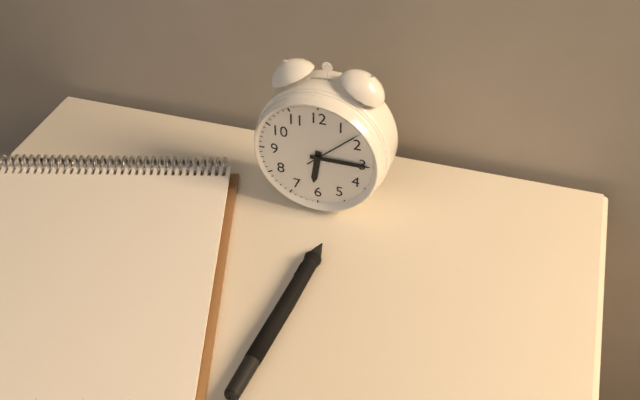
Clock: 6.15.08
